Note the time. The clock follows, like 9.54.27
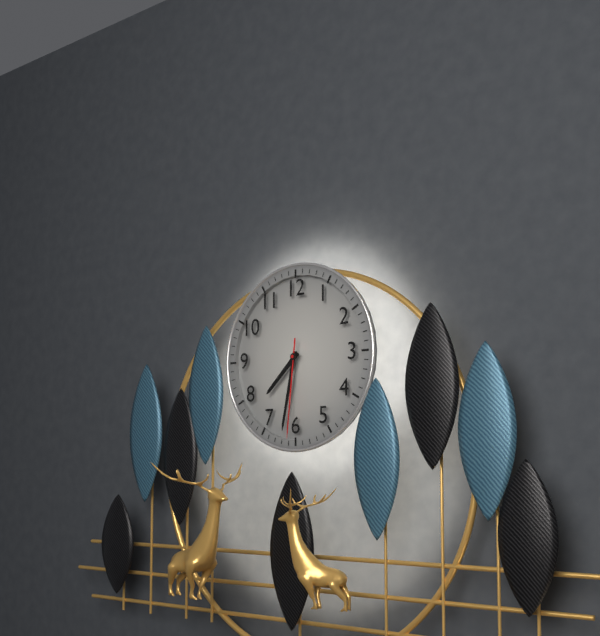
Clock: 7.32.31
